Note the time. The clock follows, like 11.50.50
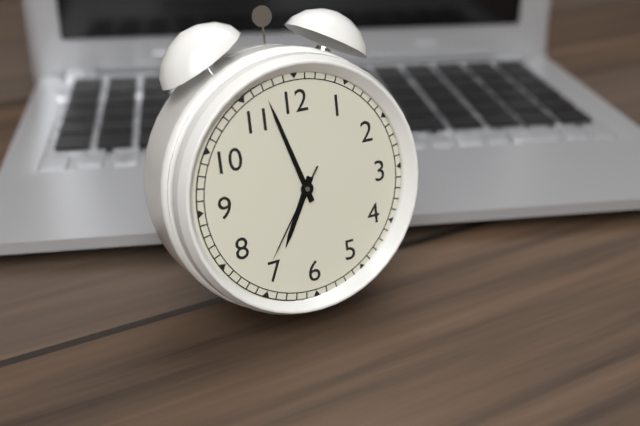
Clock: 6.57.36
